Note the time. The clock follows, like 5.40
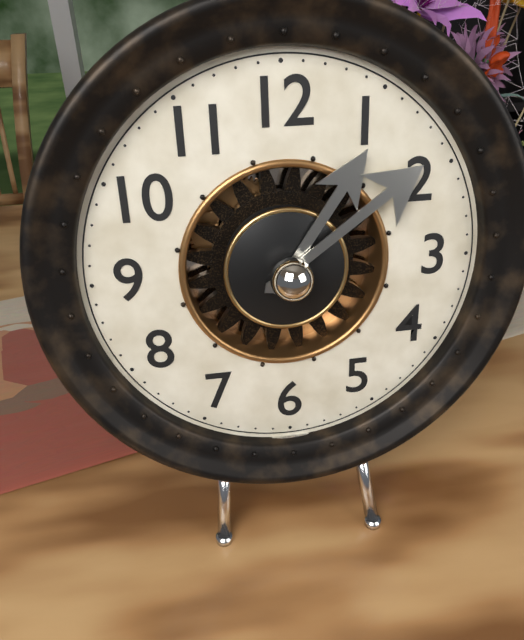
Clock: 1.09
